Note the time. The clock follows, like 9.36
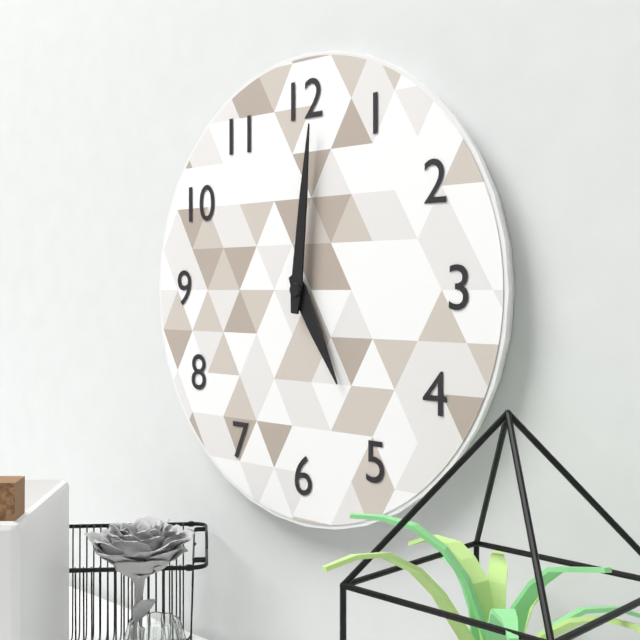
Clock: 5.01
